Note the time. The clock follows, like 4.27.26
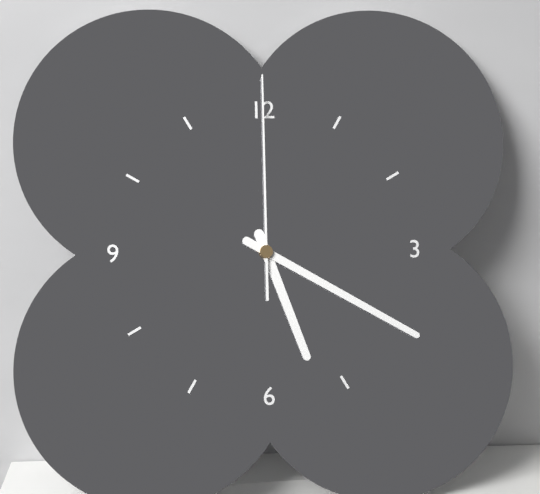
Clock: 5.20.00
